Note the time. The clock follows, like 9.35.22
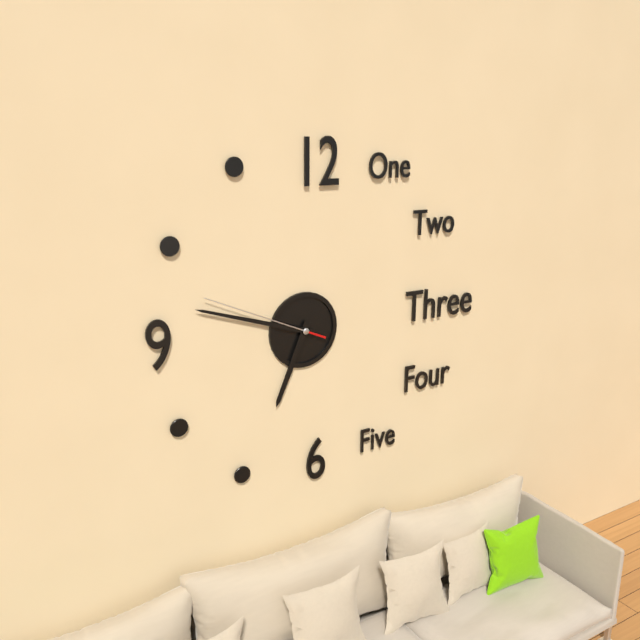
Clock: 6.48.49
